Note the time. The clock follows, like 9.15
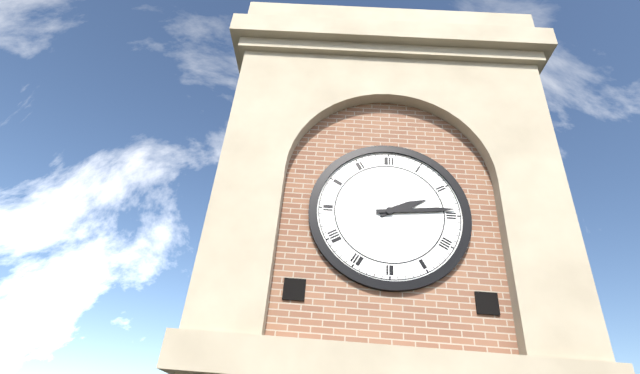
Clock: 2.14
